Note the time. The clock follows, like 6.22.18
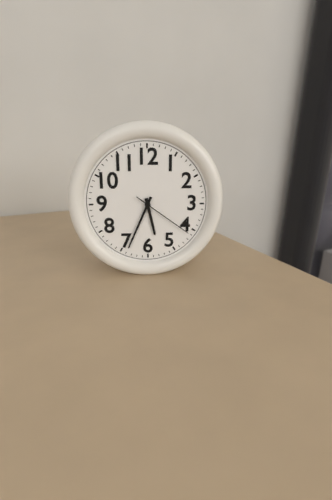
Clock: 5.34.21
